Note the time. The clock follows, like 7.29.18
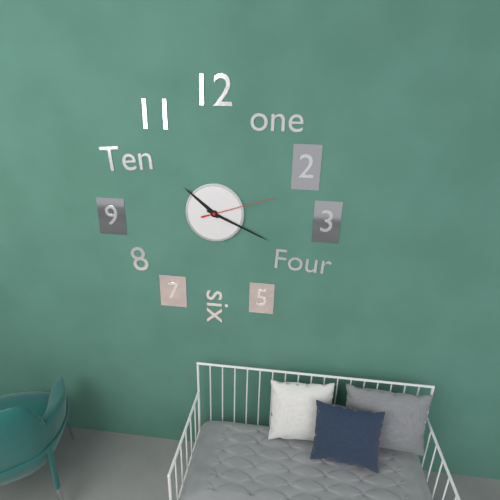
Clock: 10.19.12
